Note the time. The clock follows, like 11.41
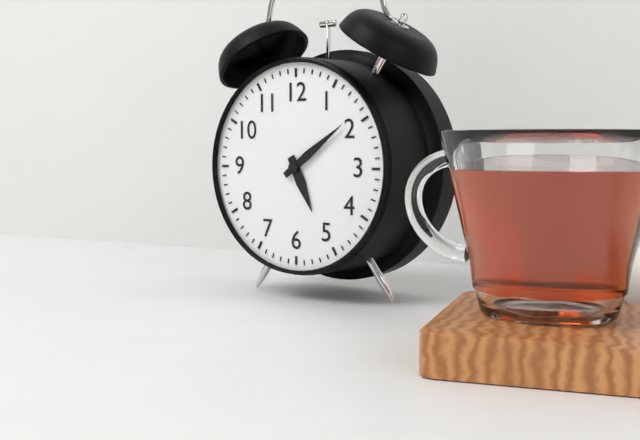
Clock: 5.09
